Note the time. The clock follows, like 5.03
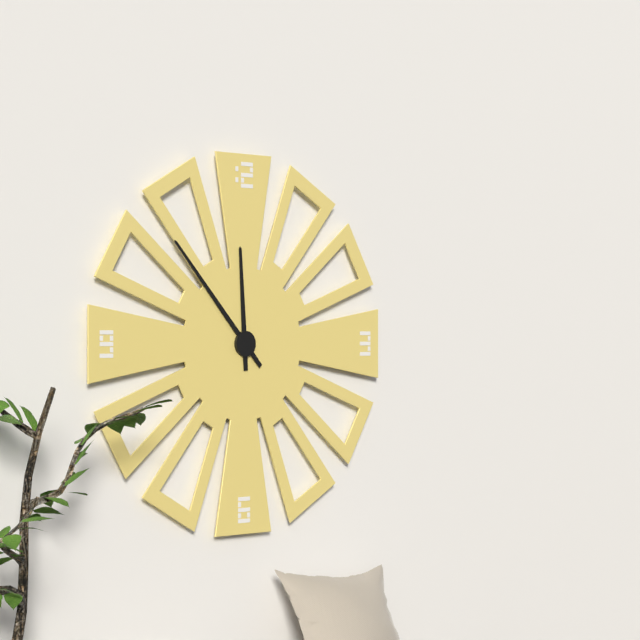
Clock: 11.53
